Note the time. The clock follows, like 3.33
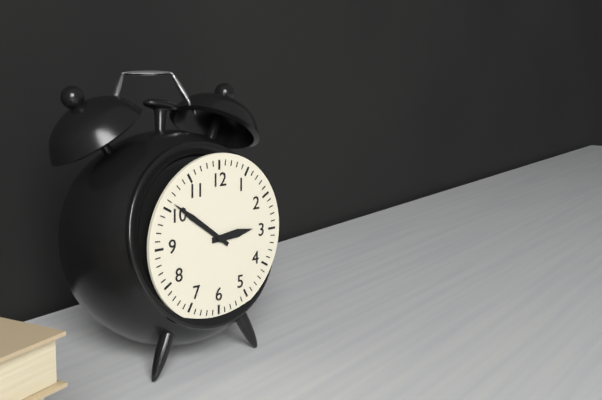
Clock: 2.51
